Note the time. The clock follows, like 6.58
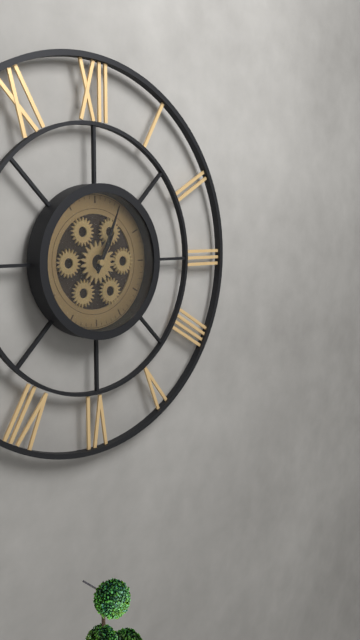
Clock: 1.04
